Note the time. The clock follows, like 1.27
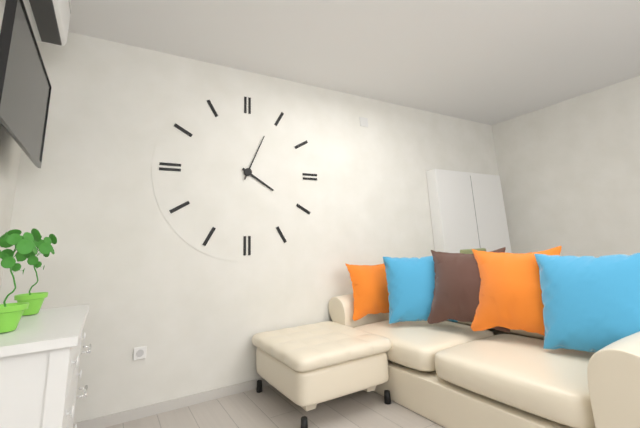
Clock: 4.04
